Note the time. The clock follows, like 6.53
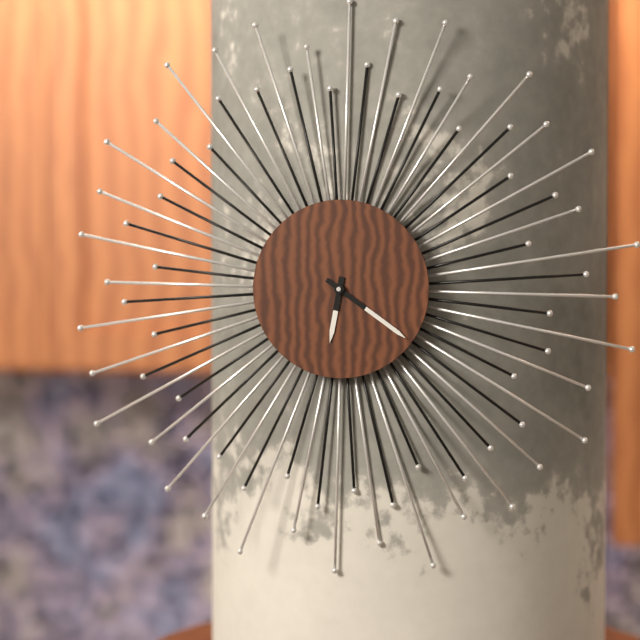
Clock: 6.21
